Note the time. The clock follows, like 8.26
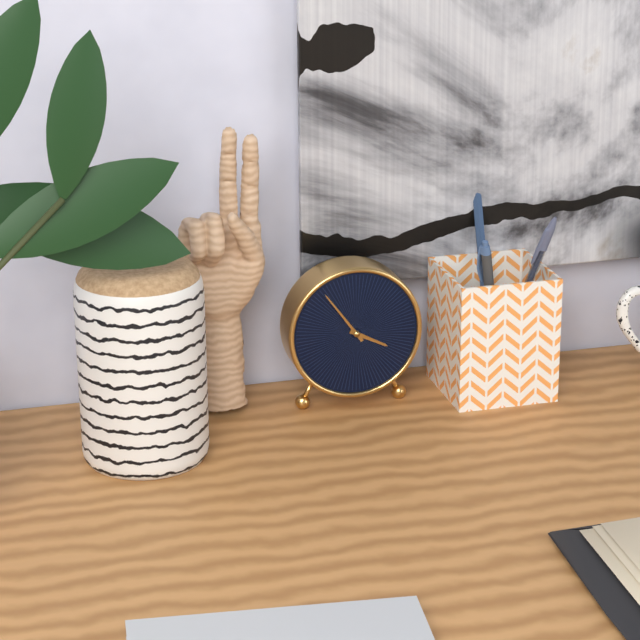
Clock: 3.54
